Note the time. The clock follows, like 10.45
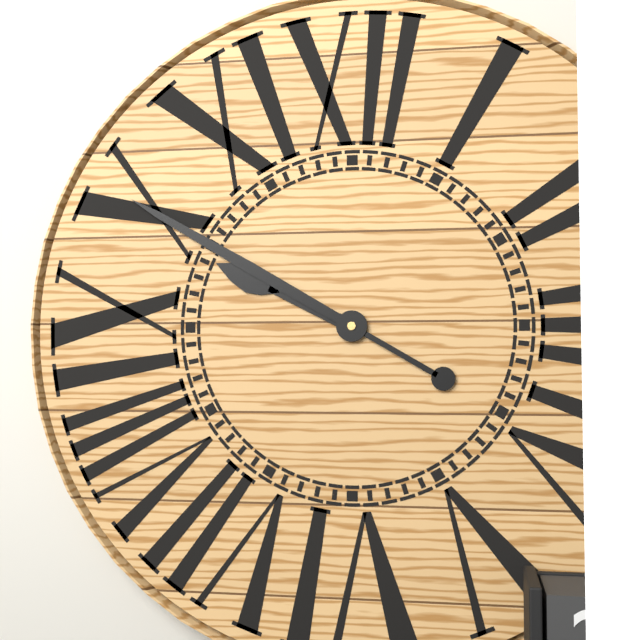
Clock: 9.50
